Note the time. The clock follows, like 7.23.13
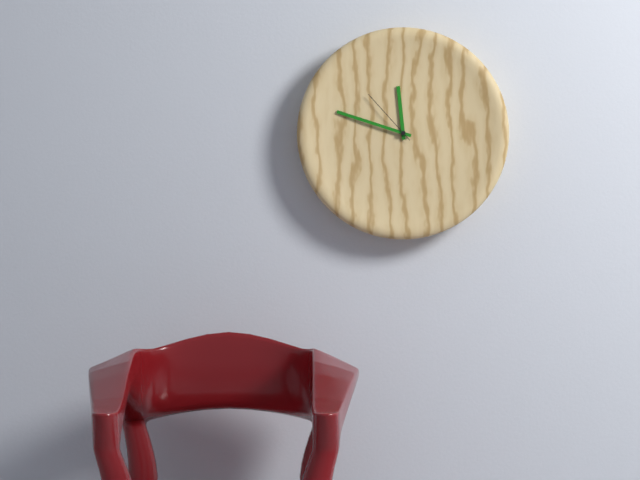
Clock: 11.48.53
